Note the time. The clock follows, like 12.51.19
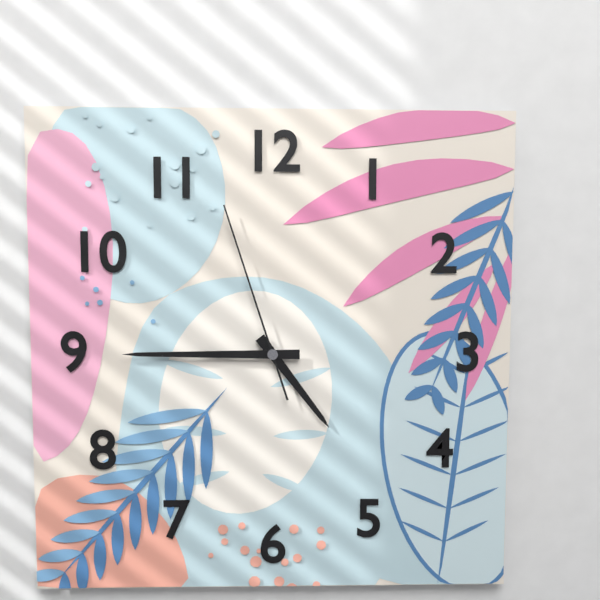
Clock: 4.45.57
